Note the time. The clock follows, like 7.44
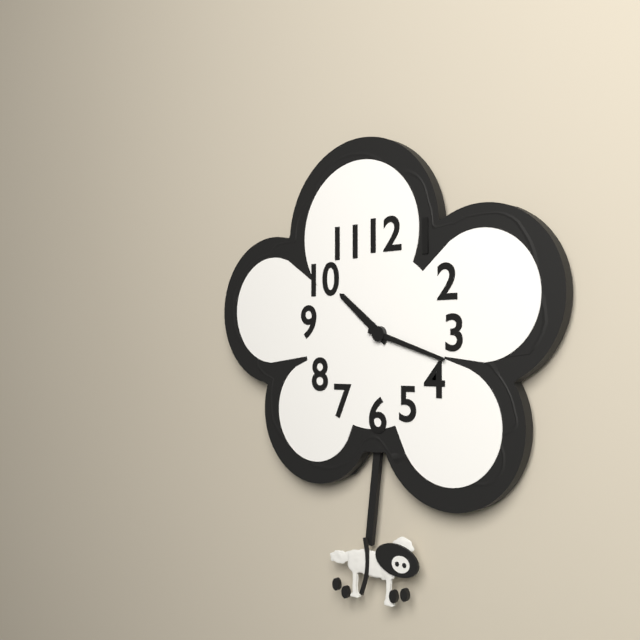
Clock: 10.18
